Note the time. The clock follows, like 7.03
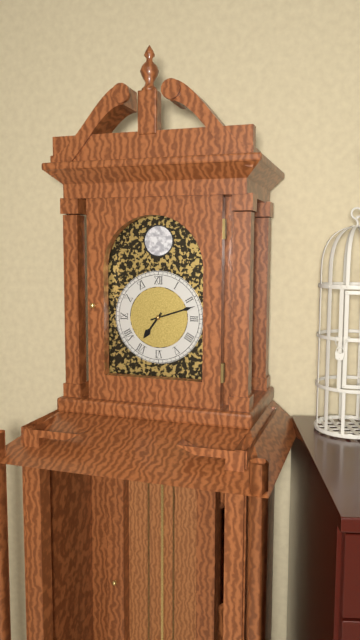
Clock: 7.12
